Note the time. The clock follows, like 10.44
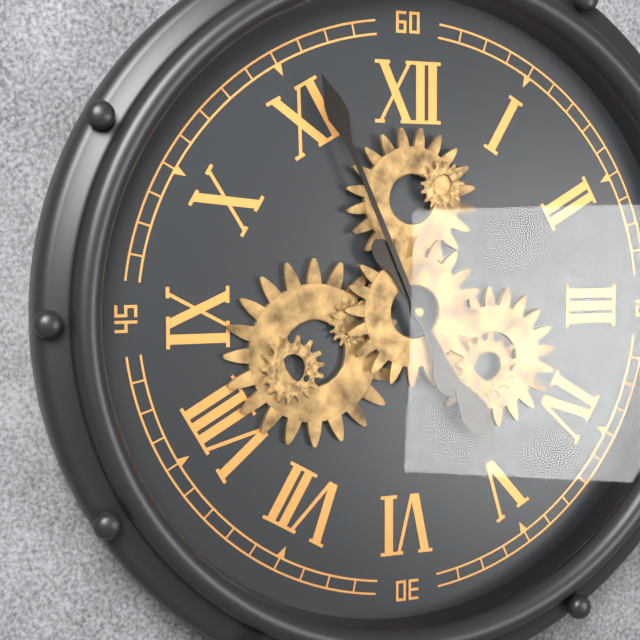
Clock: 4.56
